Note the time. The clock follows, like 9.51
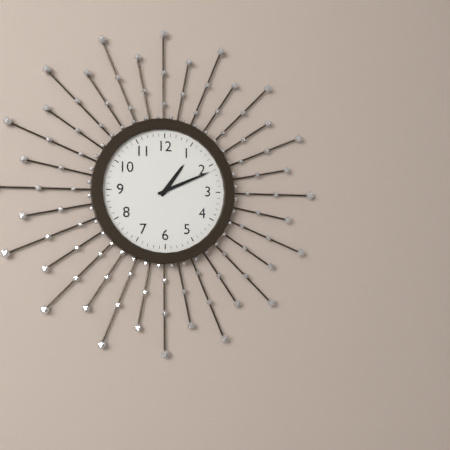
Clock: 1.11
